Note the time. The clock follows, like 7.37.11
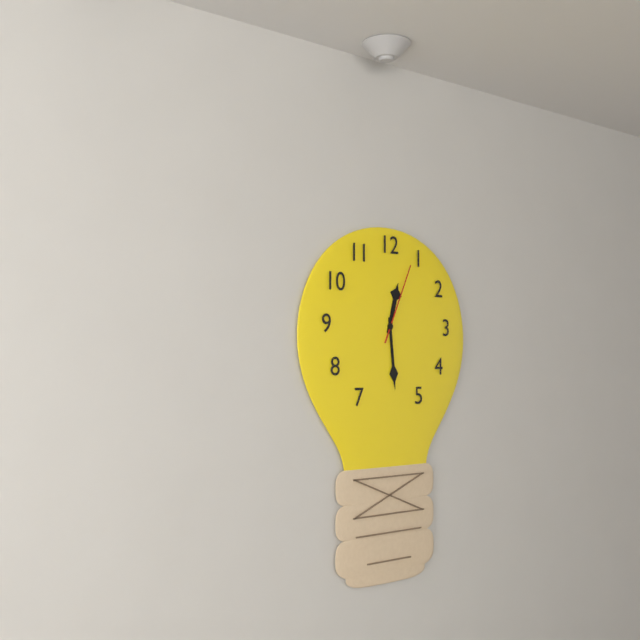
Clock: 12.29.04
